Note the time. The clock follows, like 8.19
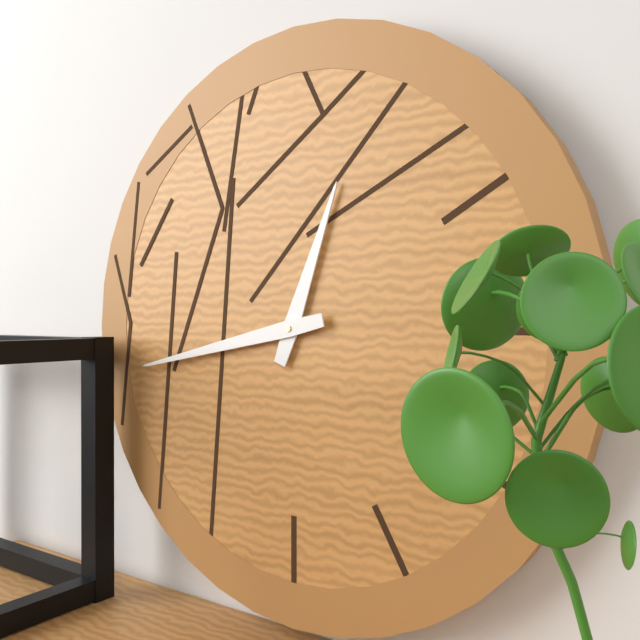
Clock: 12.43
